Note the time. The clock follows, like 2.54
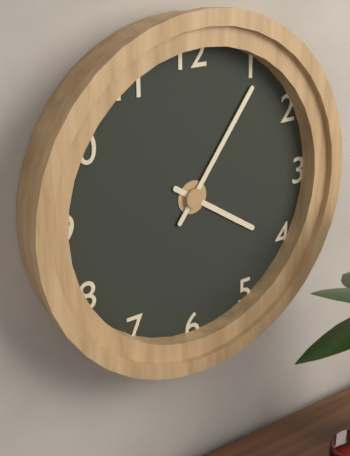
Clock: 4.06
